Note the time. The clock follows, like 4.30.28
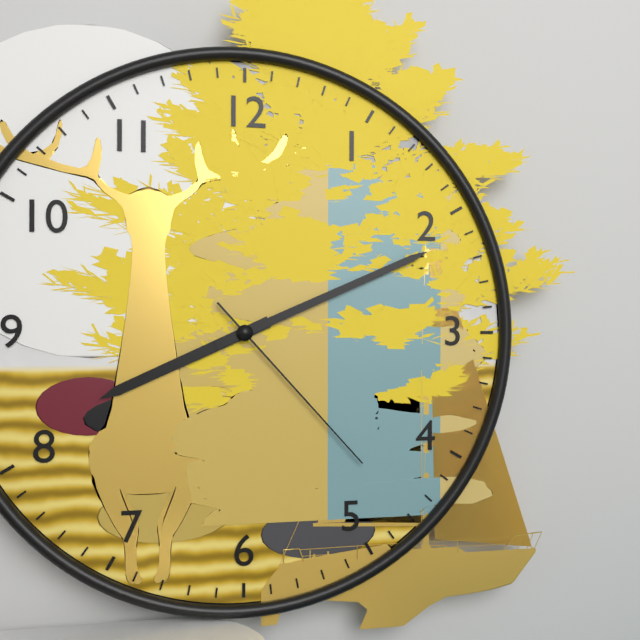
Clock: 8.11.23
